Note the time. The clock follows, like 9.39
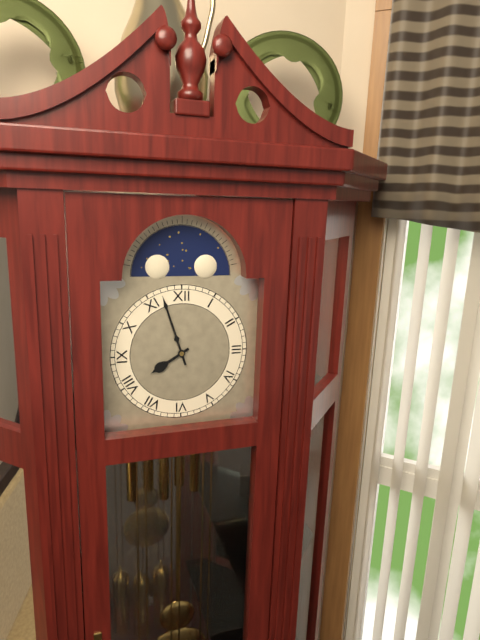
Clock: 7.57
